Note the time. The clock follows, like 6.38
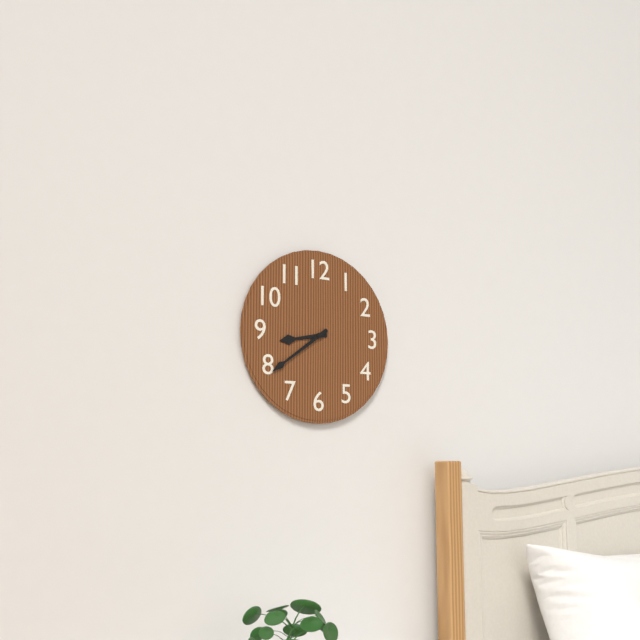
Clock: 8.39
